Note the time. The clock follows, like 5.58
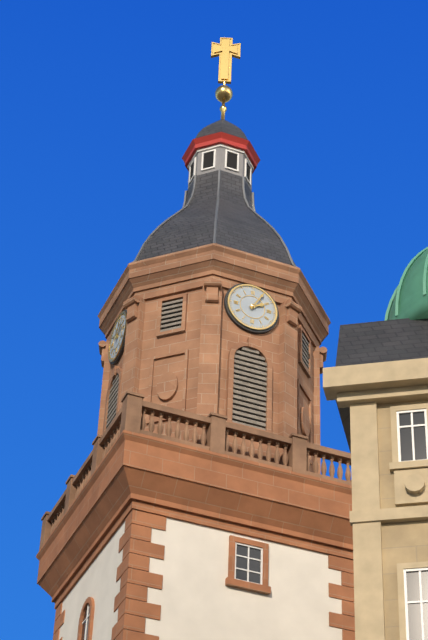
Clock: 2.05
